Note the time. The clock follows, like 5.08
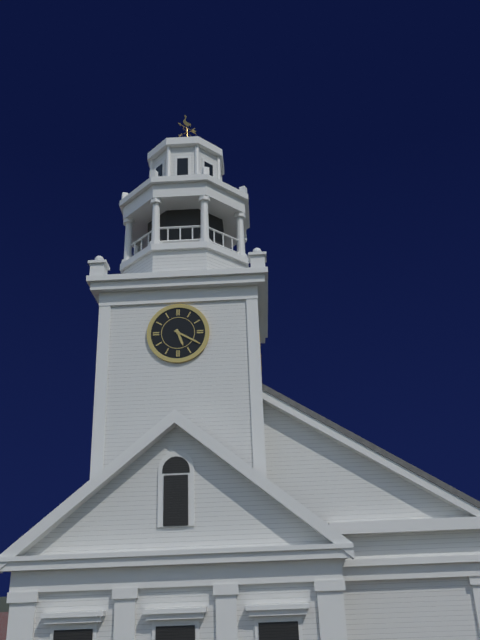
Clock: 5.20
